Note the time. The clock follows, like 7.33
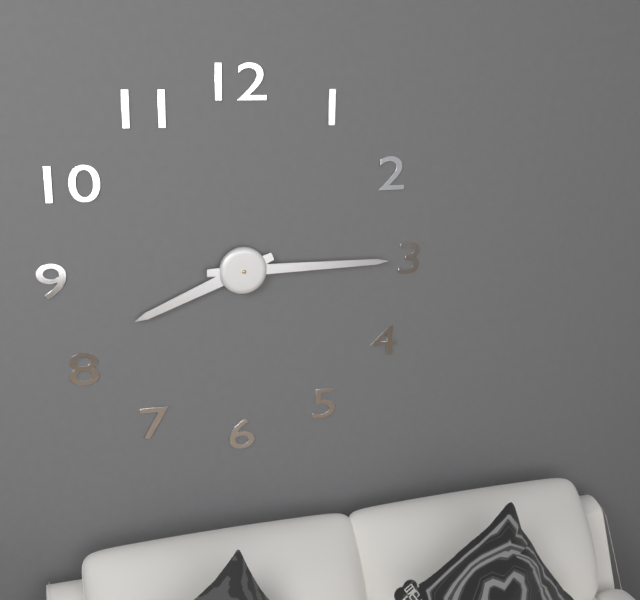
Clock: 8.15
